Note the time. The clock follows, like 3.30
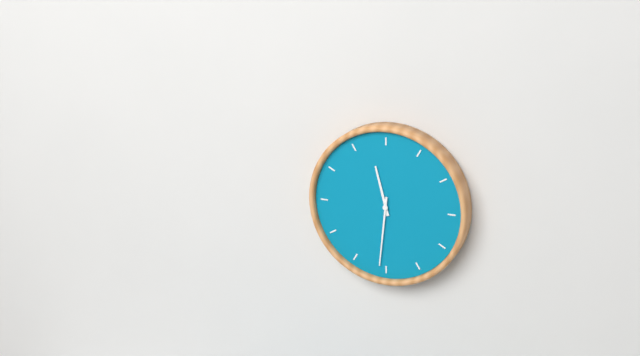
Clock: 11.31
